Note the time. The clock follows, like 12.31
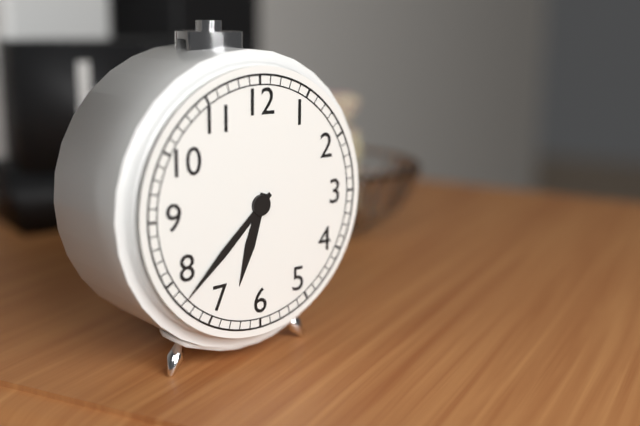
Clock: 6.38
